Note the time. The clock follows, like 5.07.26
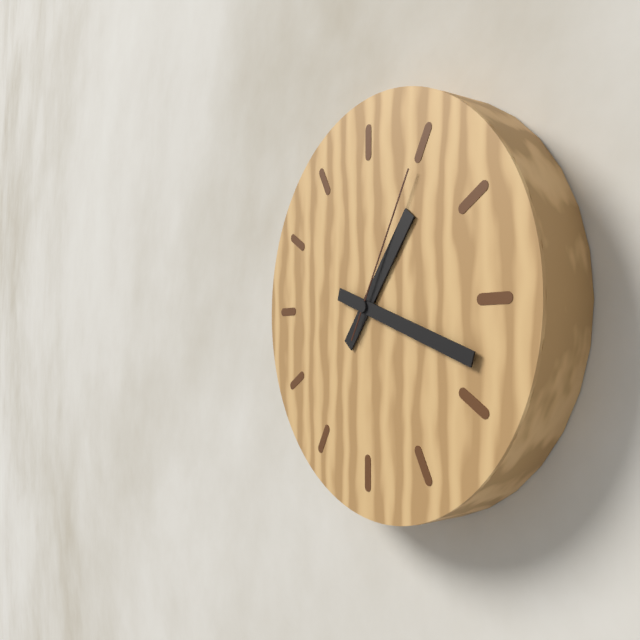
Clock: 1.18.05
